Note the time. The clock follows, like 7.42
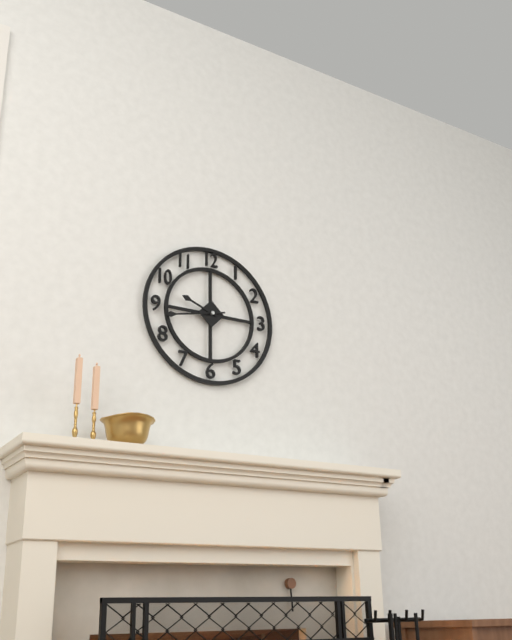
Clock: 9.43
